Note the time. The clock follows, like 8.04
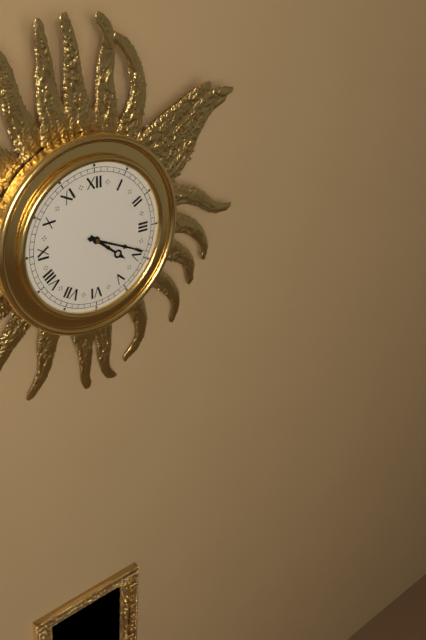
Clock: 4.19
